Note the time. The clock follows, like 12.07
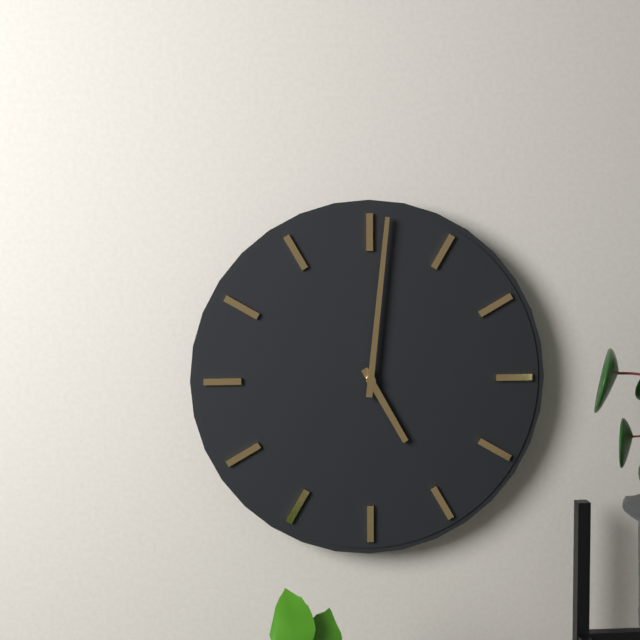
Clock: 5.01
